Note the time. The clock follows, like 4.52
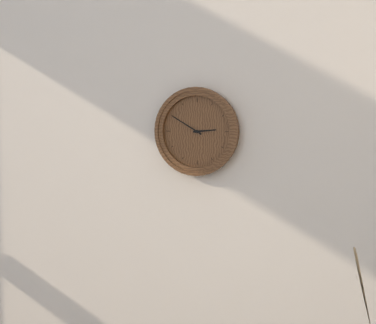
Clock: 2.50
